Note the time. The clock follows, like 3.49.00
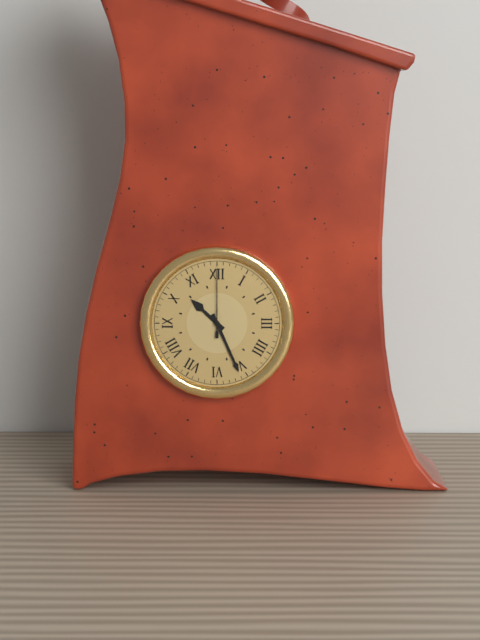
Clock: 10.26.00
